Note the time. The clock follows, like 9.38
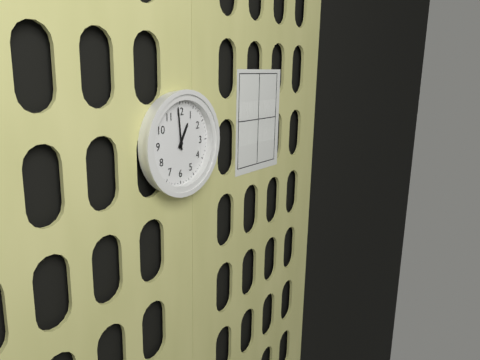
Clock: 12.59
